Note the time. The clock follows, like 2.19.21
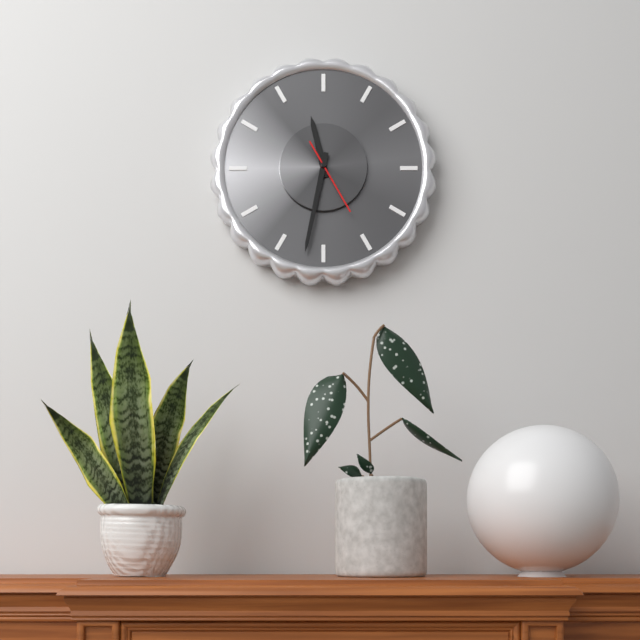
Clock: 11.32.25
